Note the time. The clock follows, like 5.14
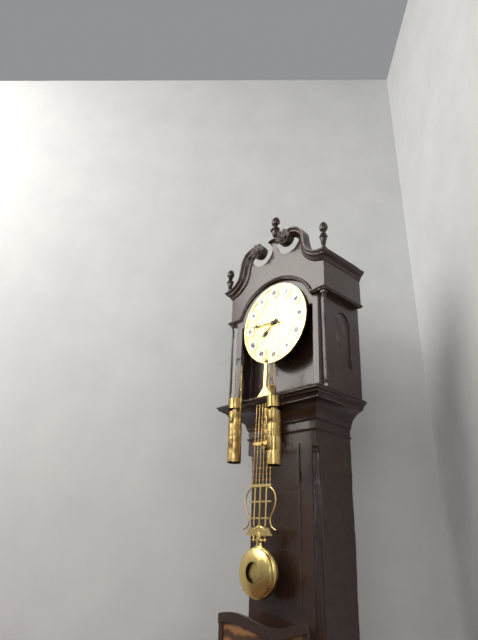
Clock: 7.46
